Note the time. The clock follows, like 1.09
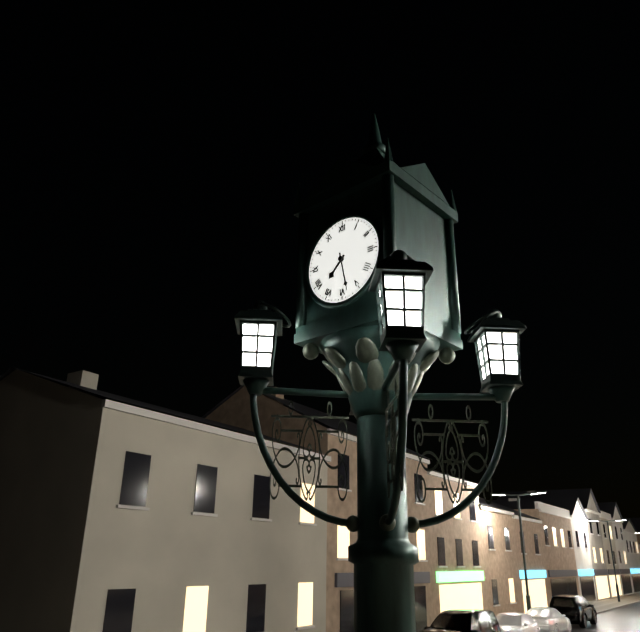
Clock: 7.28
